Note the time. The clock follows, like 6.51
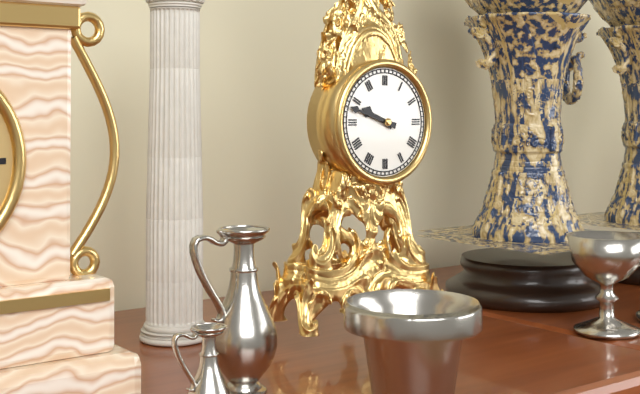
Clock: 9.48
